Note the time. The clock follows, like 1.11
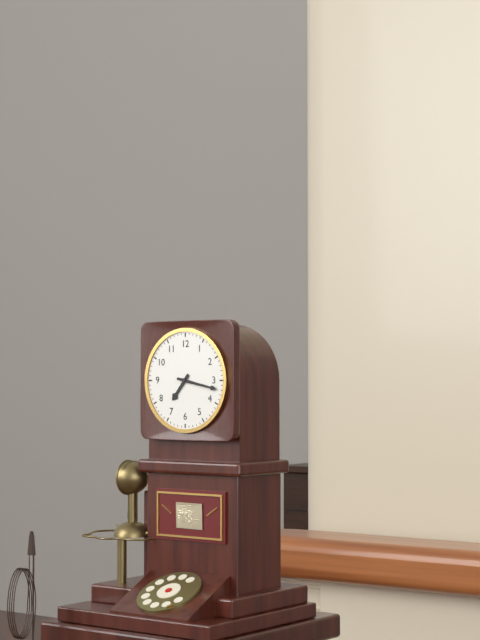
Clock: 7.17
